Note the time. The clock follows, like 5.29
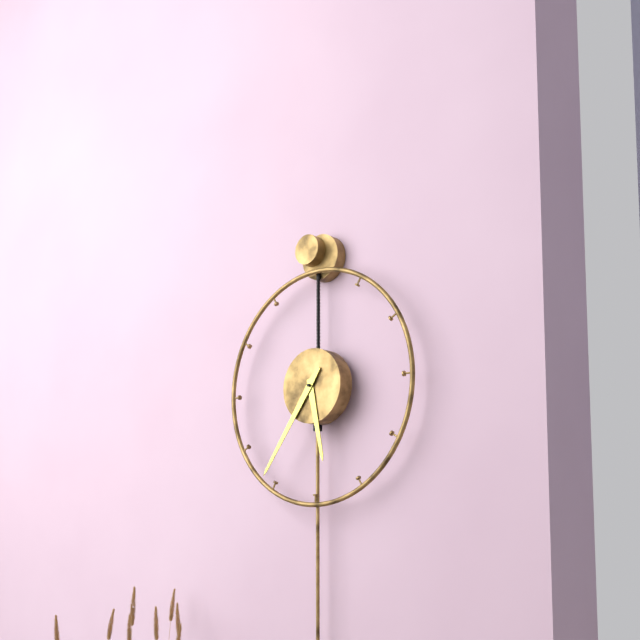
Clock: 5.36
